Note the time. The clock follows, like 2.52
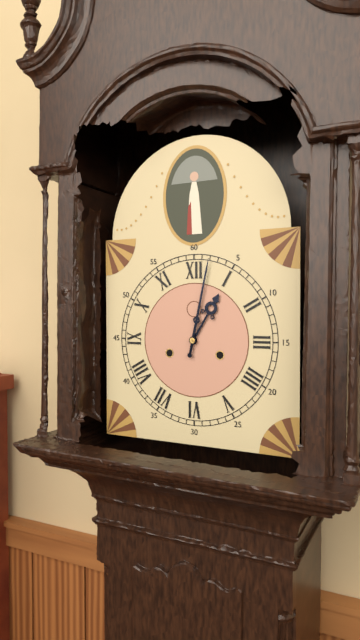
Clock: 1.02
